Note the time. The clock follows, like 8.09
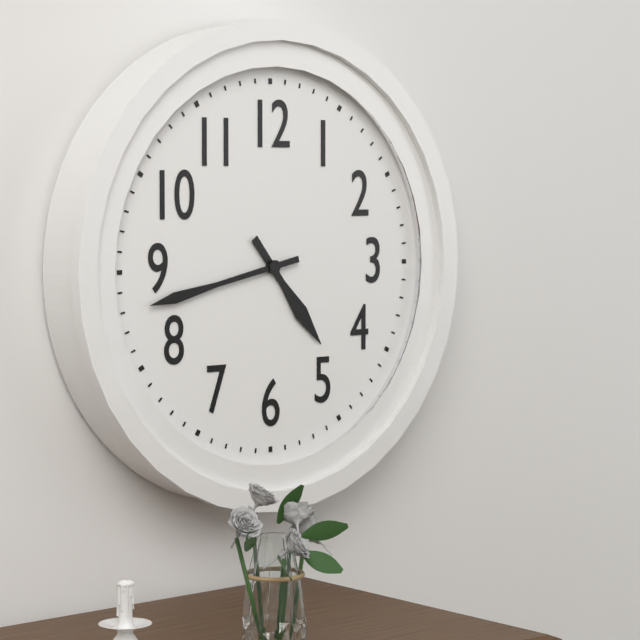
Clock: 4.43
